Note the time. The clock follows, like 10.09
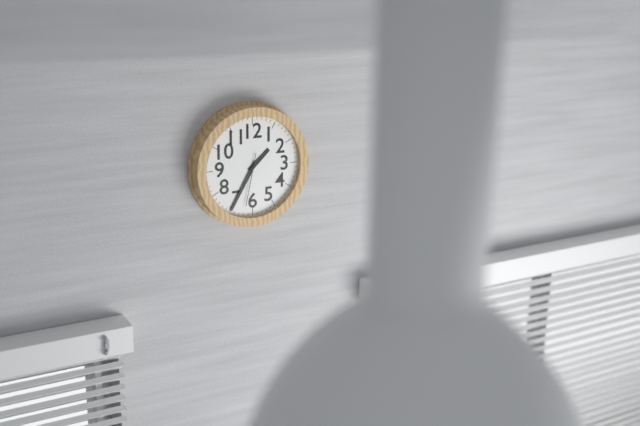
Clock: 1.35
